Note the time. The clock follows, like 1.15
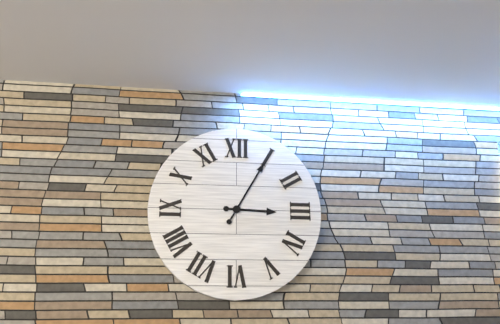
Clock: 3.05
